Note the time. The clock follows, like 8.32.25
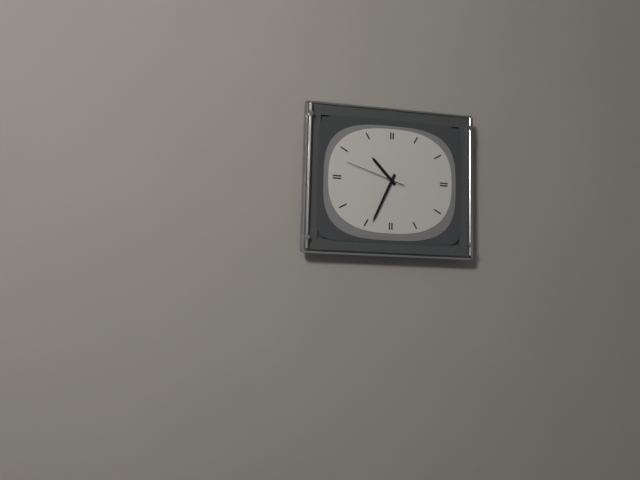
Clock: 10.34.48
